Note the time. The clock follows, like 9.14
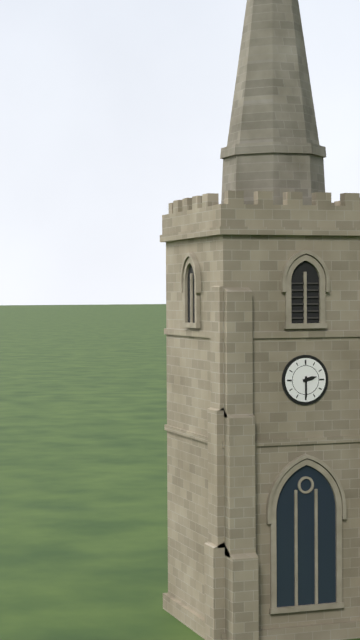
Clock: 2.30
